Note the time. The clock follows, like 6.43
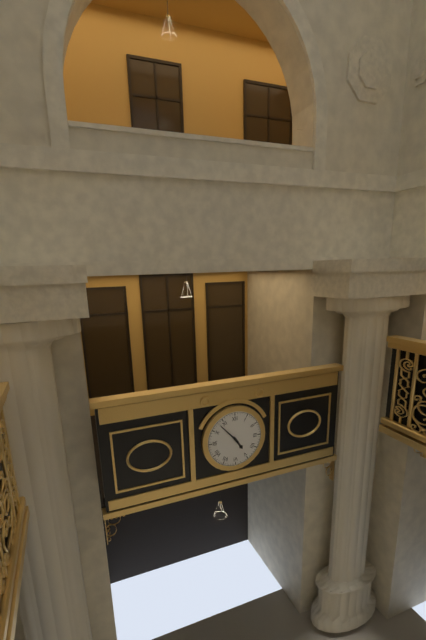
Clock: 4.53
